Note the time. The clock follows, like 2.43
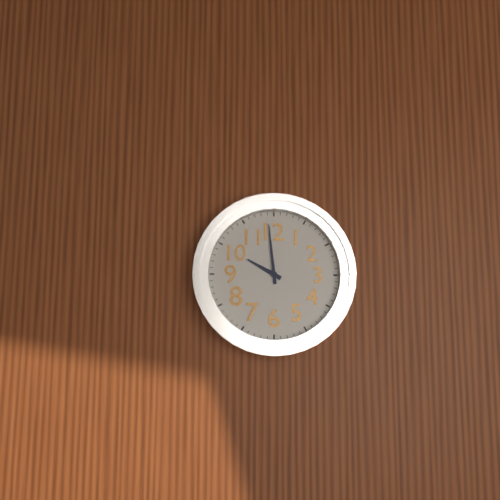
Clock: 9.59
